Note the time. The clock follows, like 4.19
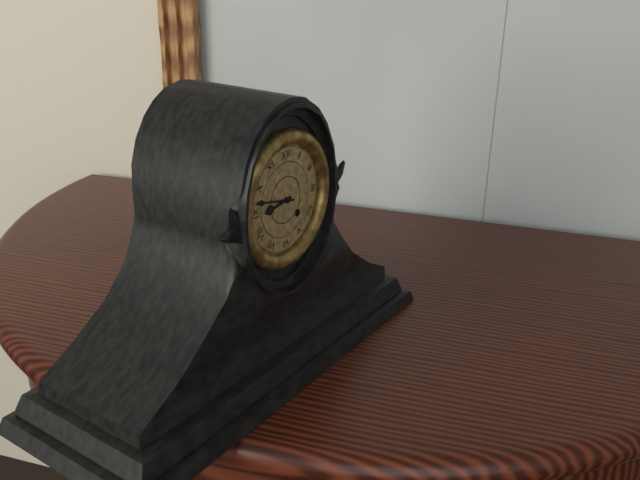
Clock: 8.47
